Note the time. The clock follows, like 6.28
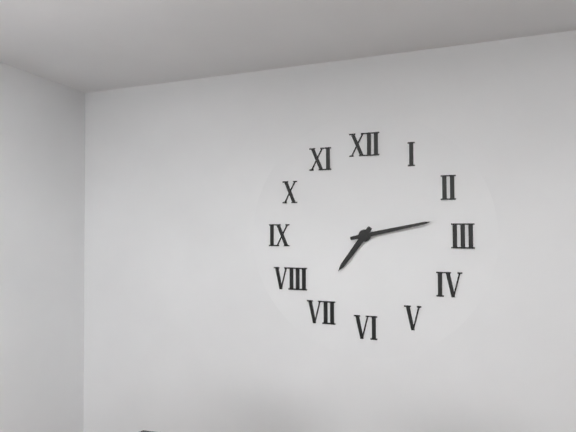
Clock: 7.13
